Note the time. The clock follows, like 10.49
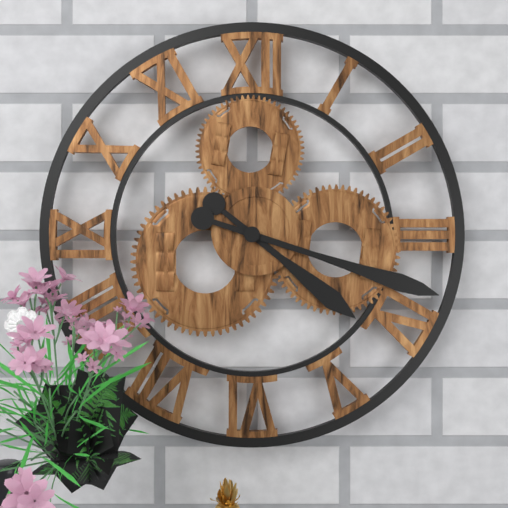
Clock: 4.18
